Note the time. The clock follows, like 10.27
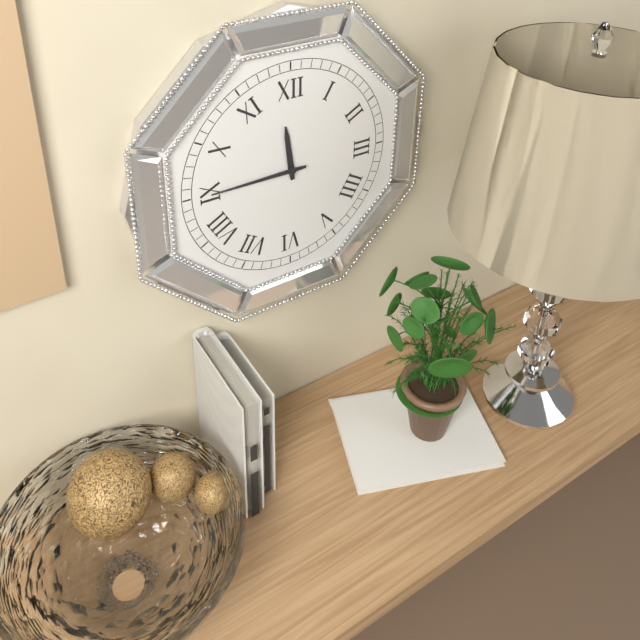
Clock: 11.45
